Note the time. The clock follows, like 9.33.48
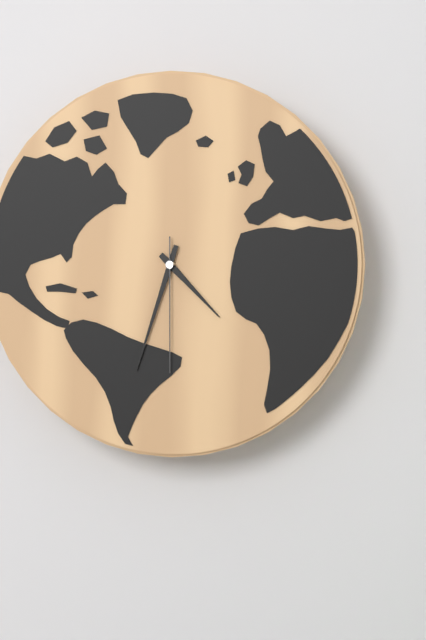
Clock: 4.33.30
